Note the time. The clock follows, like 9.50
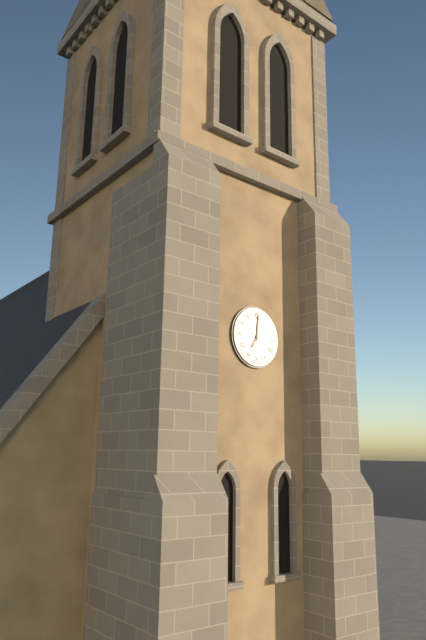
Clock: 7.01
